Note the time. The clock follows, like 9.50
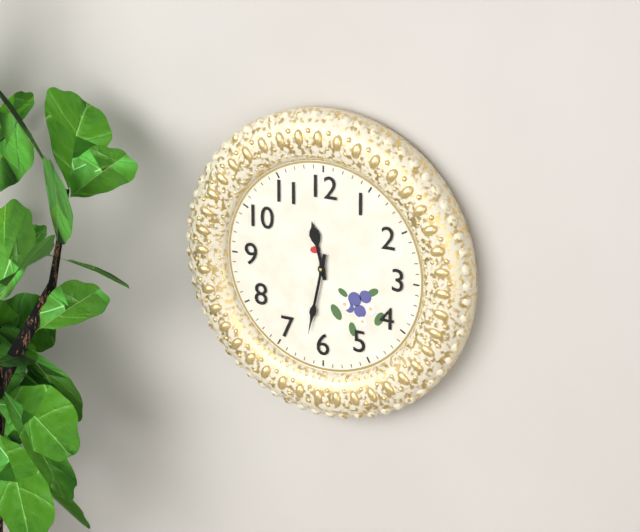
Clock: 11.32
